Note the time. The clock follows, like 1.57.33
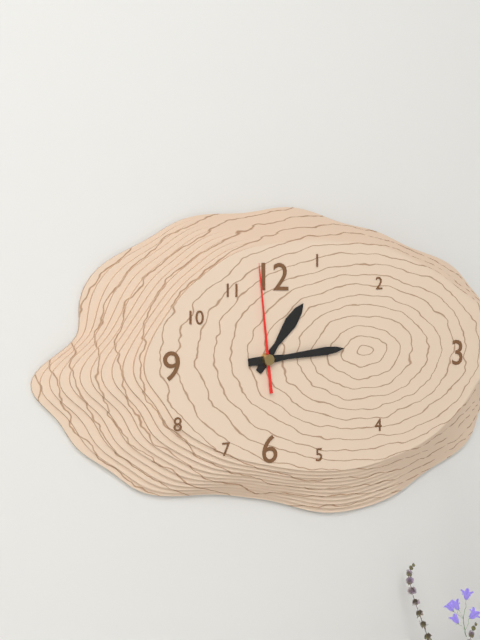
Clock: 1.14.59
